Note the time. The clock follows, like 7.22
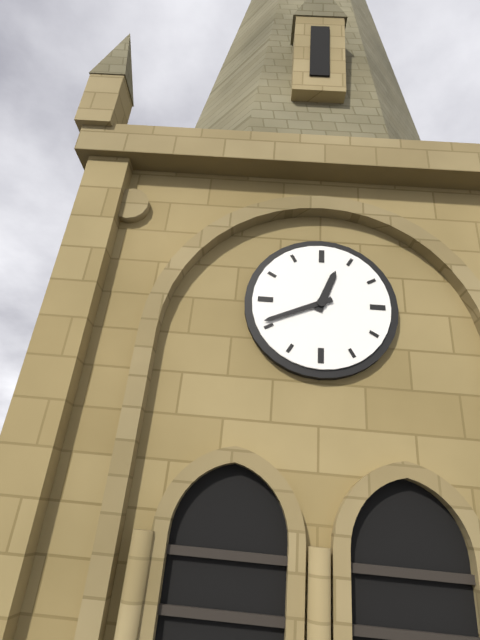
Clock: 12.41
